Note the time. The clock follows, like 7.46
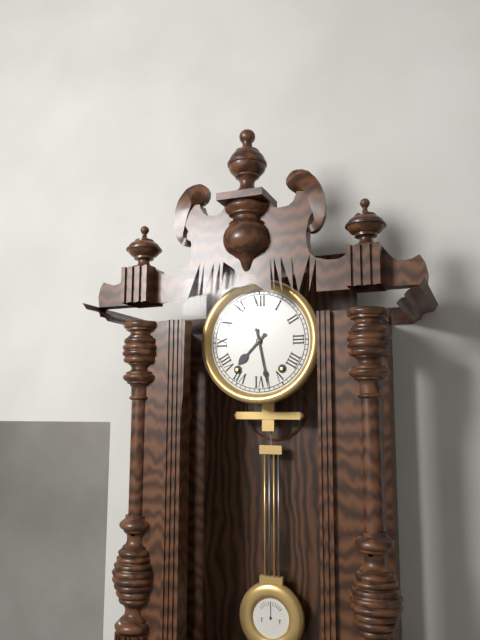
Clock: 7.28
